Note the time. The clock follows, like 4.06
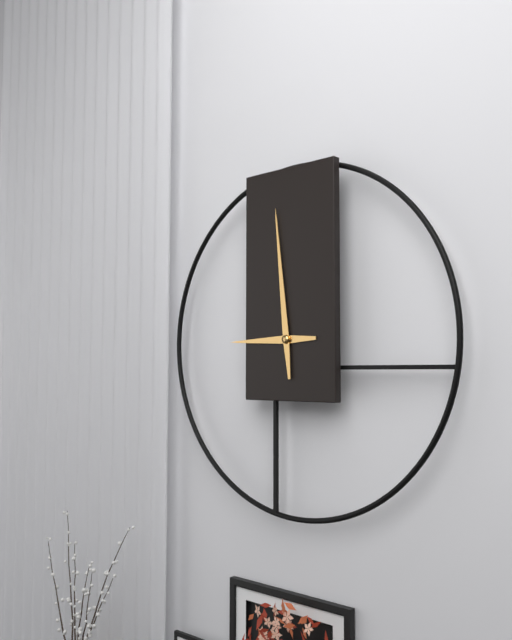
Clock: 8.59
